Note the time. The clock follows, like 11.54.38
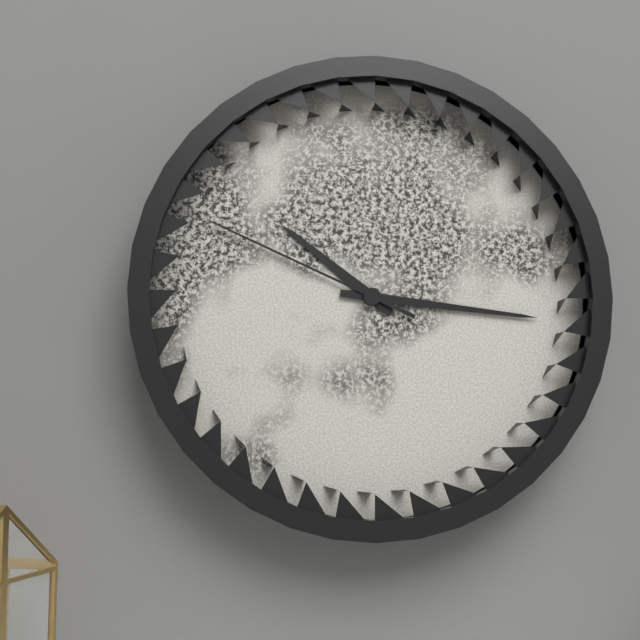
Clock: 10.16.49
